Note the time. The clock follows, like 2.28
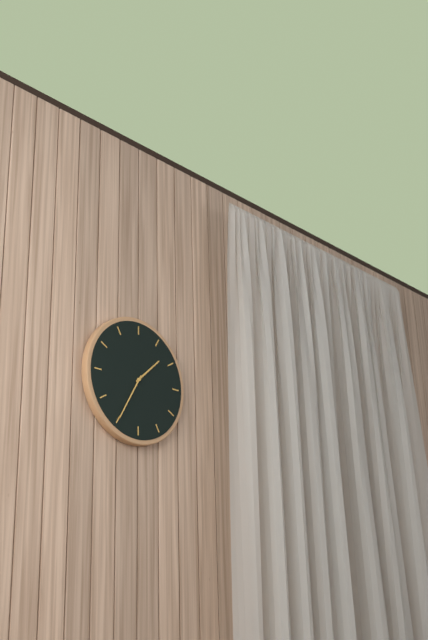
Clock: 1.35
